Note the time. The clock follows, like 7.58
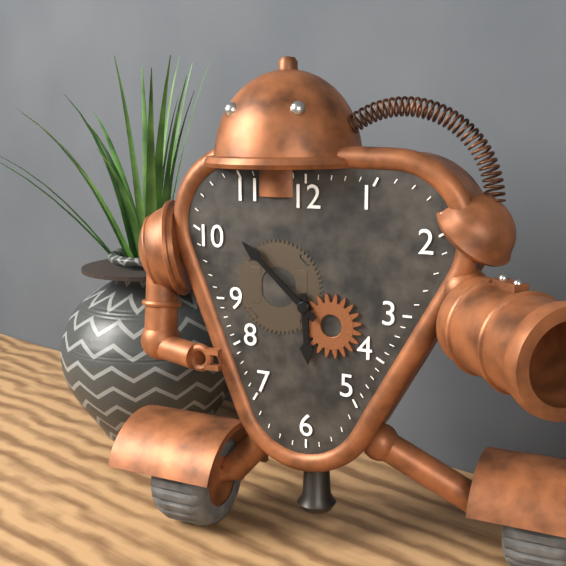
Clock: 5.52
